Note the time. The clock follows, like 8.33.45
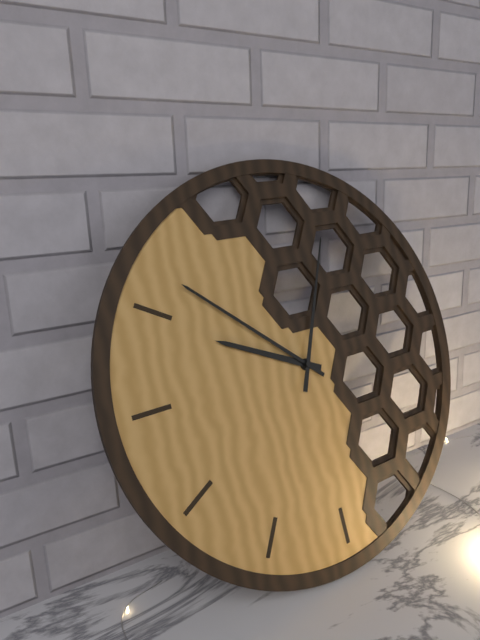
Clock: 9.52.04
